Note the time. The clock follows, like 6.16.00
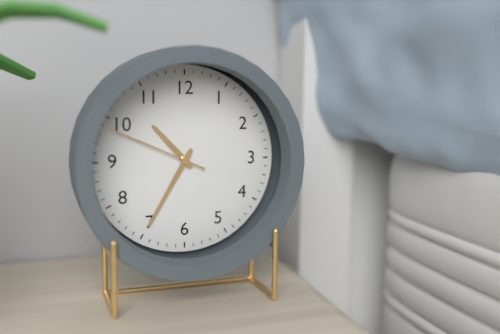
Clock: 10.35.49
